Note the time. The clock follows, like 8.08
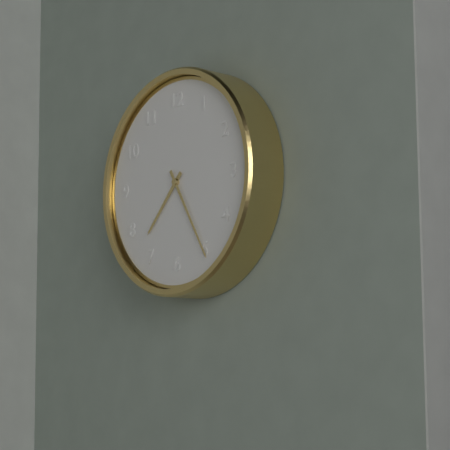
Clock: 7.25
